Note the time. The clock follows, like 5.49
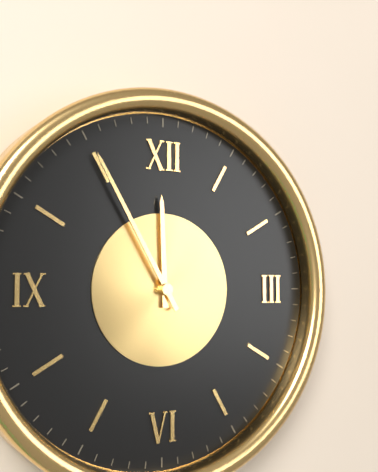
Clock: 11.55
